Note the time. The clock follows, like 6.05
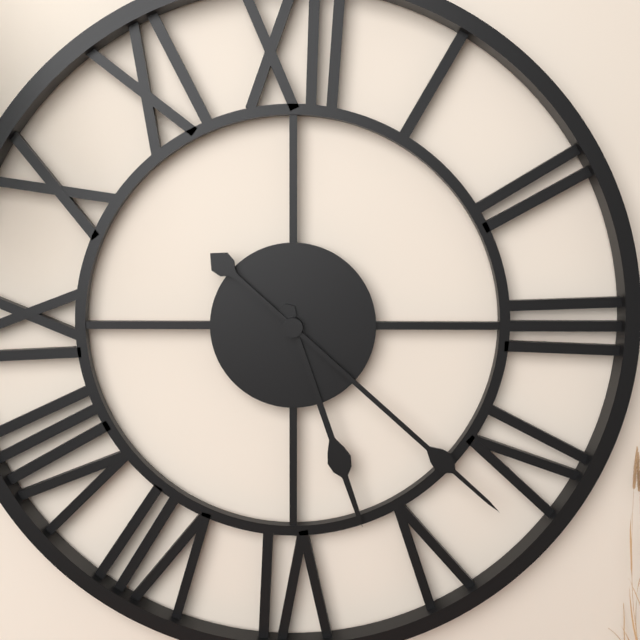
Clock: 5.22
